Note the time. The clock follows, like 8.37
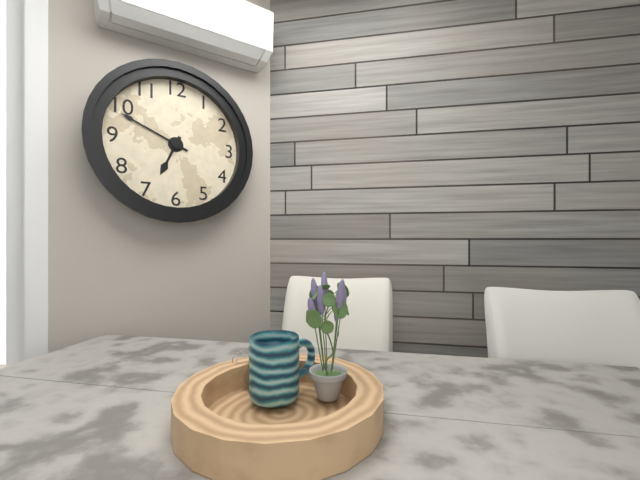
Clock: 6.49
